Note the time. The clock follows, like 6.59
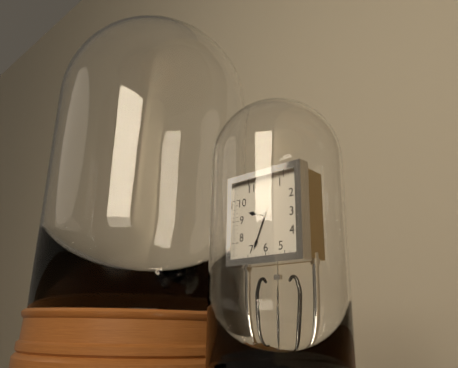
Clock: 9.34
